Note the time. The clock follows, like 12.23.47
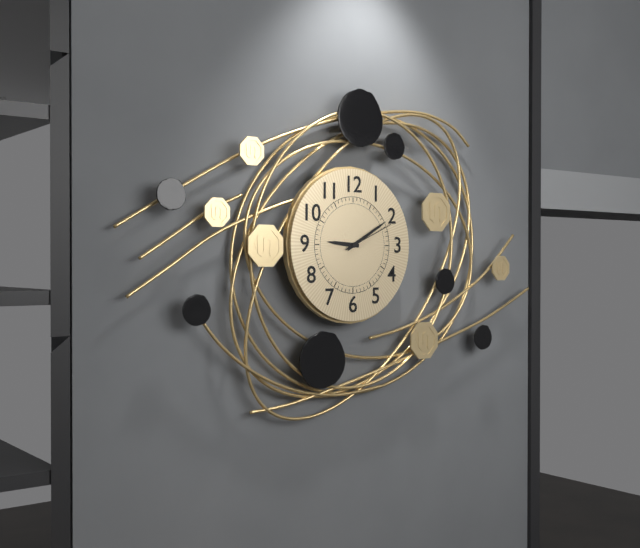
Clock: 9.10.11
